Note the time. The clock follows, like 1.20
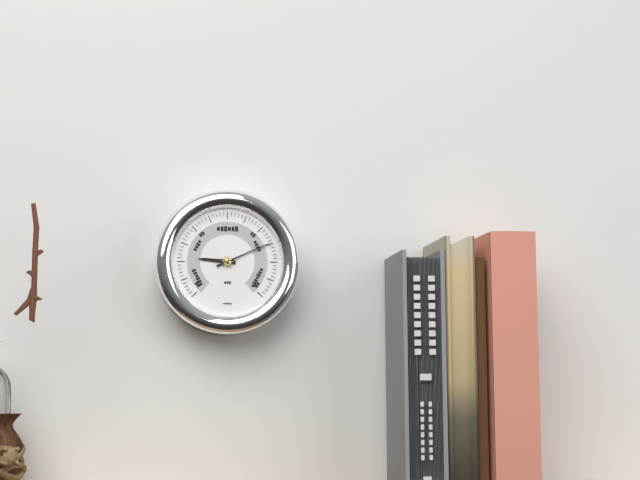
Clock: 9.11
